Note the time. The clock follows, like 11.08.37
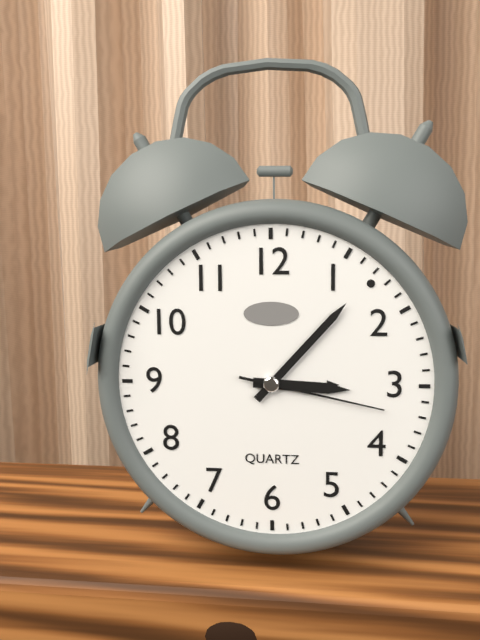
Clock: 3.07.17
